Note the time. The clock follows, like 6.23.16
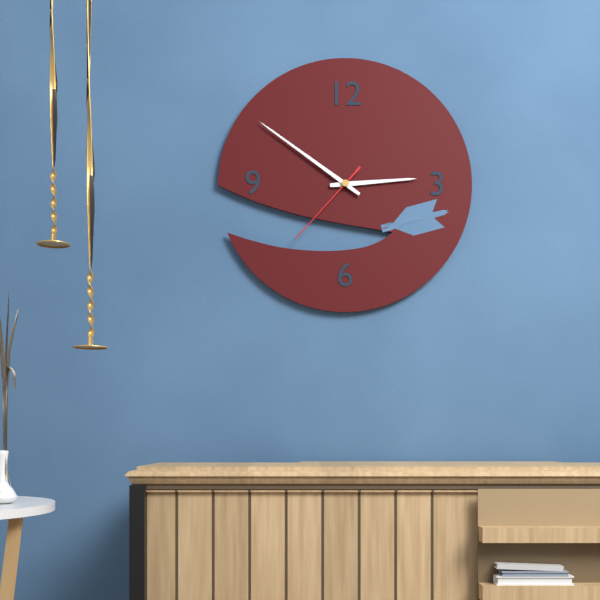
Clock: 2.51.37
